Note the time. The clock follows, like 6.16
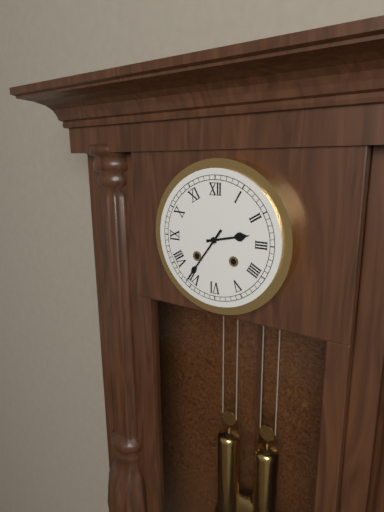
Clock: 2.36
